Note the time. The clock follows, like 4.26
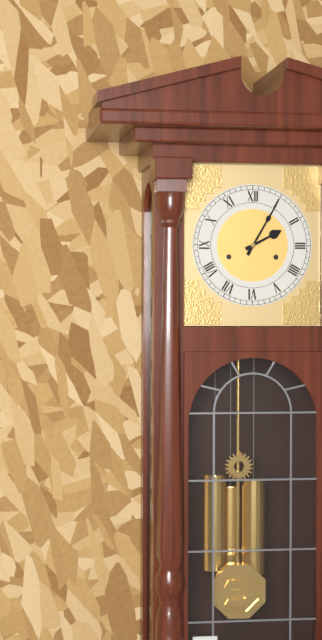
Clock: 2.05
